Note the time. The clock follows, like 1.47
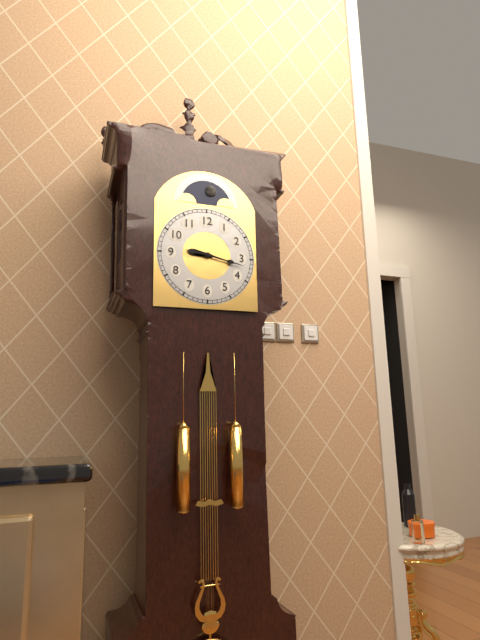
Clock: 9.17
